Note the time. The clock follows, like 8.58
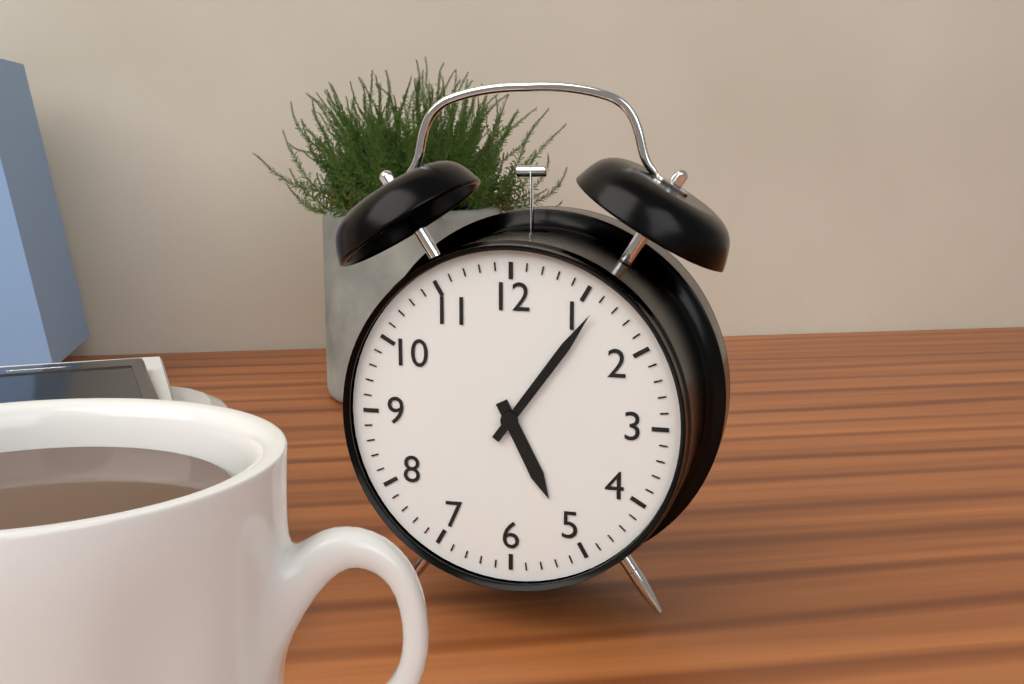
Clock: 5.06
